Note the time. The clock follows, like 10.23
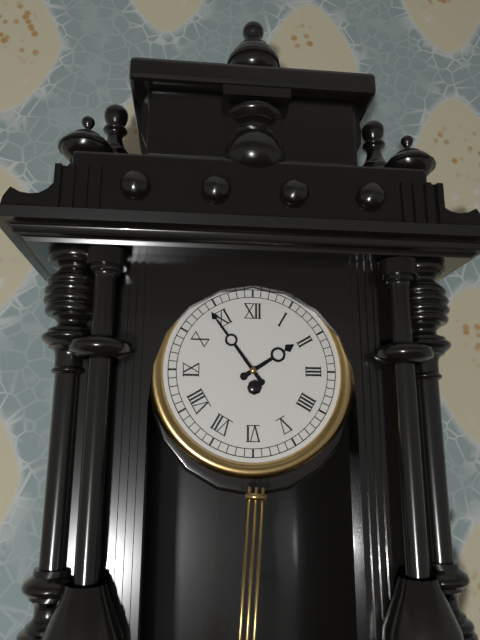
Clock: 1.54
